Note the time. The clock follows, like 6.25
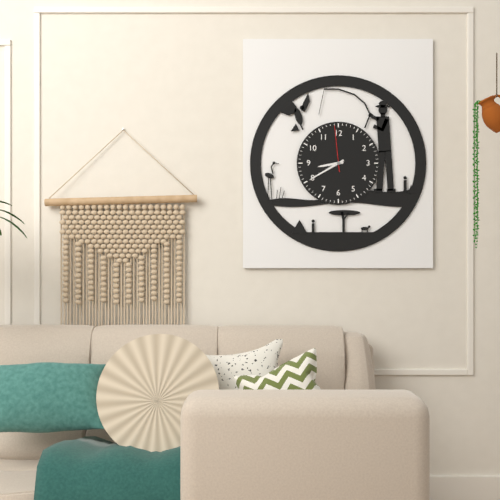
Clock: 8.40
